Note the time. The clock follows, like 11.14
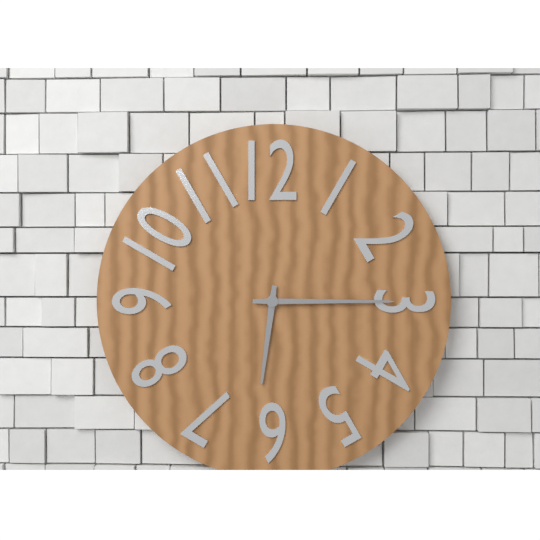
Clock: 6.15
